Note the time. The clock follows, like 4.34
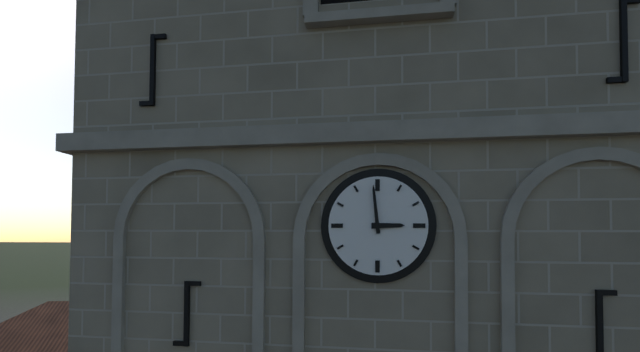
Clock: 2.59
